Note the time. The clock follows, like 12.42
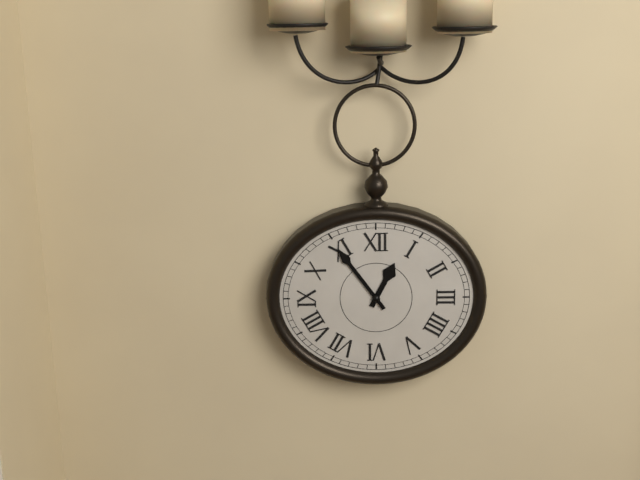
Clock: 12.54
